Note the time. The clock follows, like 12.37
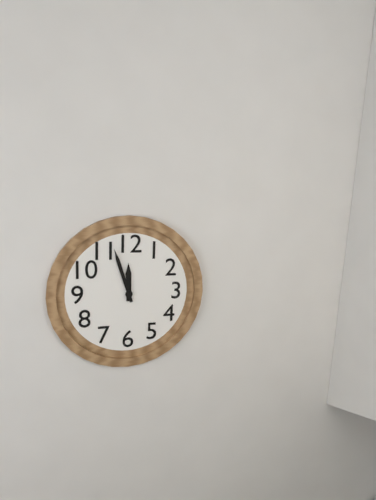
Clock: 11.57
